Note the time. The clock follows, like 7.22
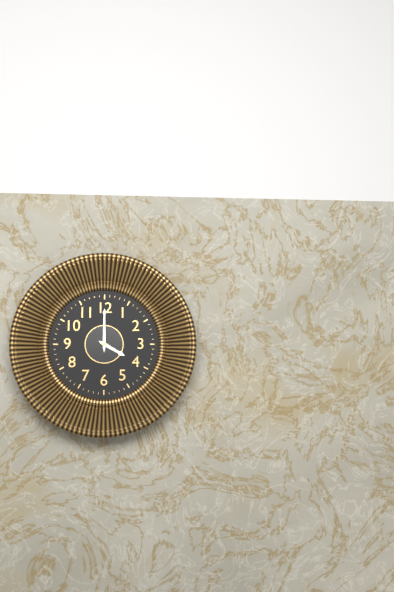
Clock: 4.00
